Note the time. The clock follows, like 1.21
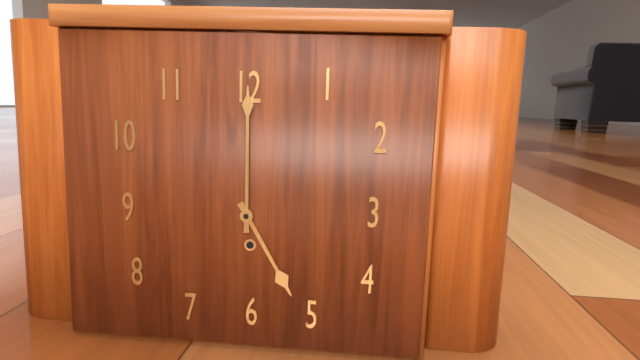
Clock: 5.00
